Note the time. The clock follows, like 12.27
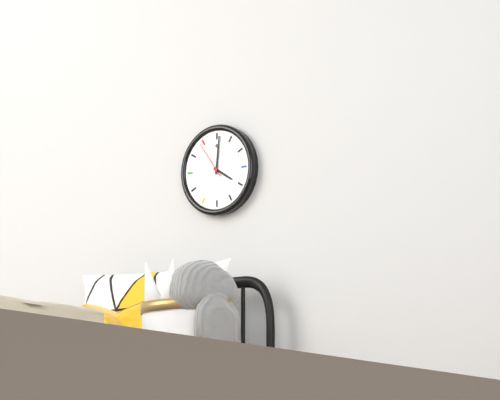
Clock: 4.01
